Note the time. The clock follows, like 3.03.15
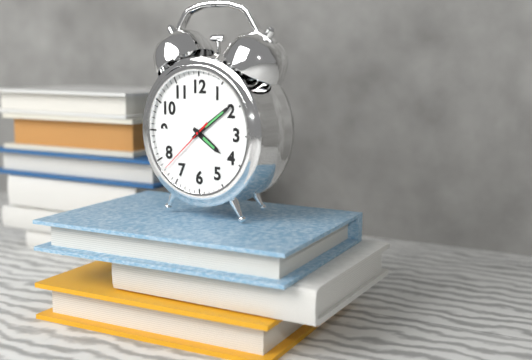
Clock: 4.09.38
